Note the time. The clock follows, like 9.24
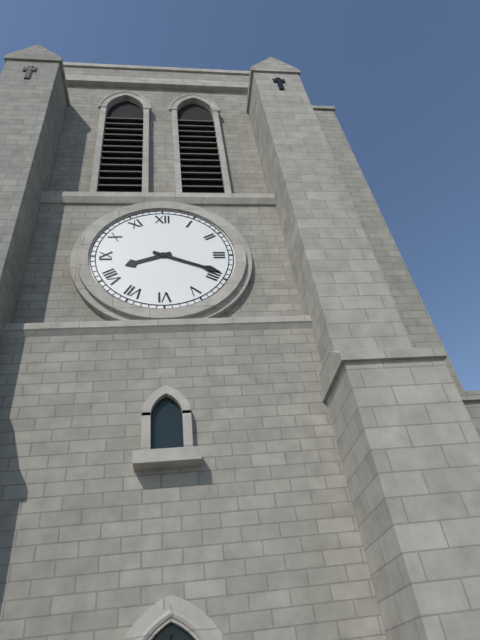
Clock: 8.19
